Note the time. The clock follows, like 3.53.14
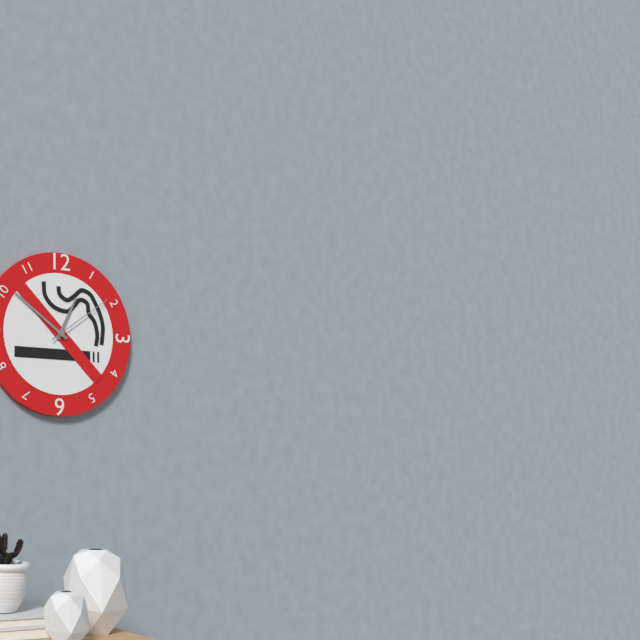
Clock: 12.51.09
